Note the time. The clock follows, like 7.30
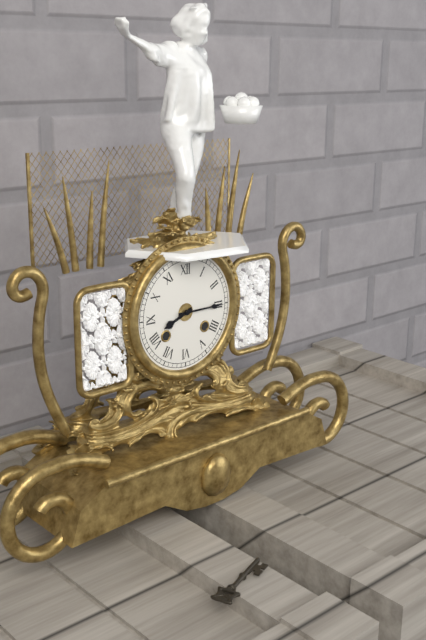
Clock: 8.15
